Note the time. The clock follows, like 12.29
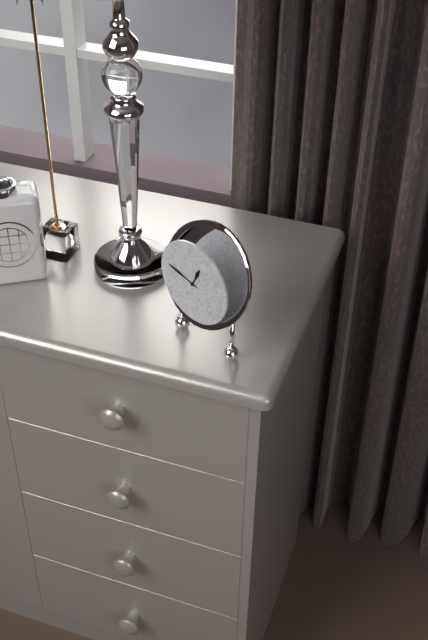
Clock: 12.47
